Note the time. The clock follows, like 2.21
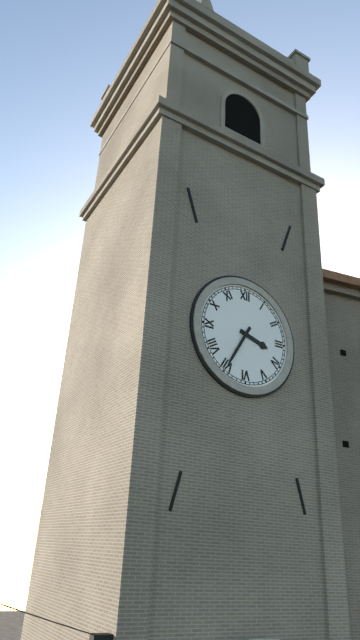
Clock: 3.35
